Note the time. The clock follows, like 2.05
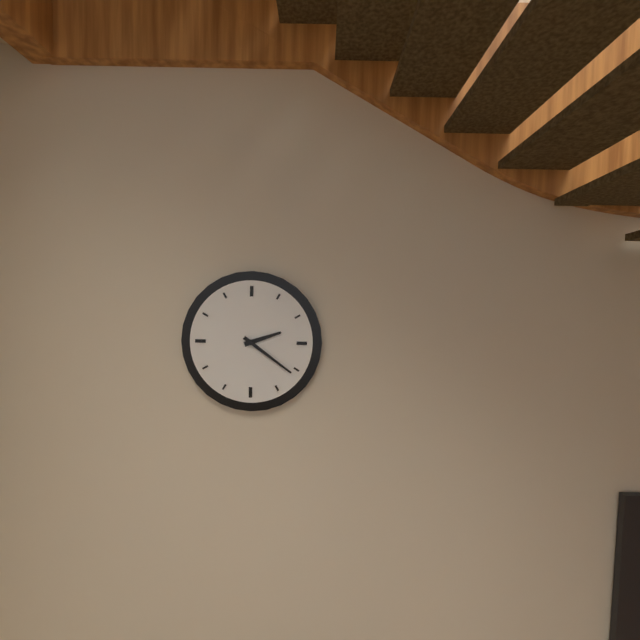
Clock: 2.21
